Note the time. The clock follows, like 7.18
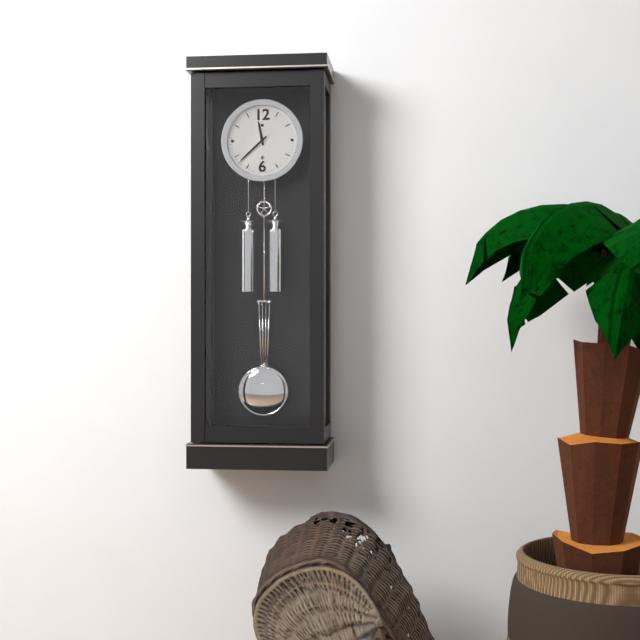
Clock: 11.38
